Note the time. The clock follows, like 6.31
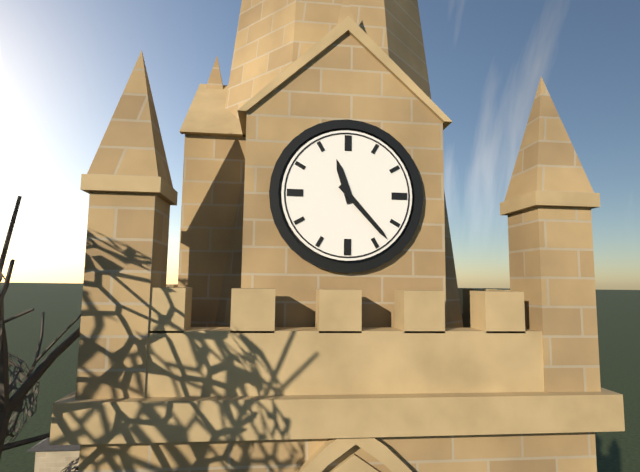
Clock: 11.23
